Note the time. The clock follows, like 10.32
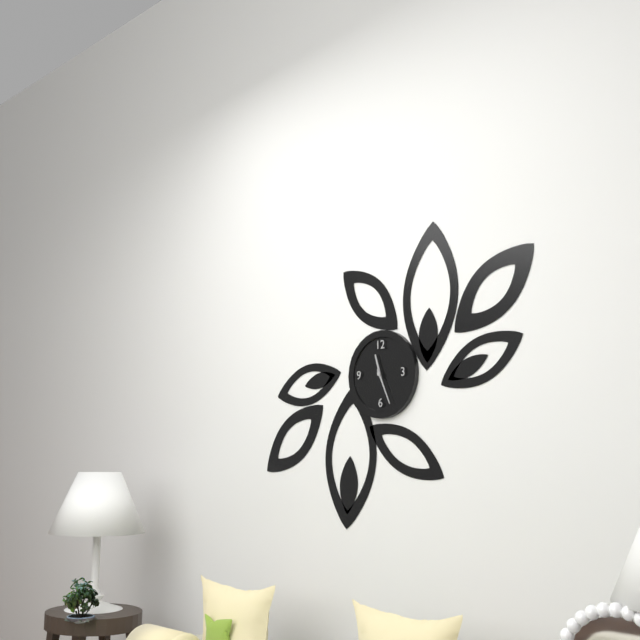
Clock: 11.26
